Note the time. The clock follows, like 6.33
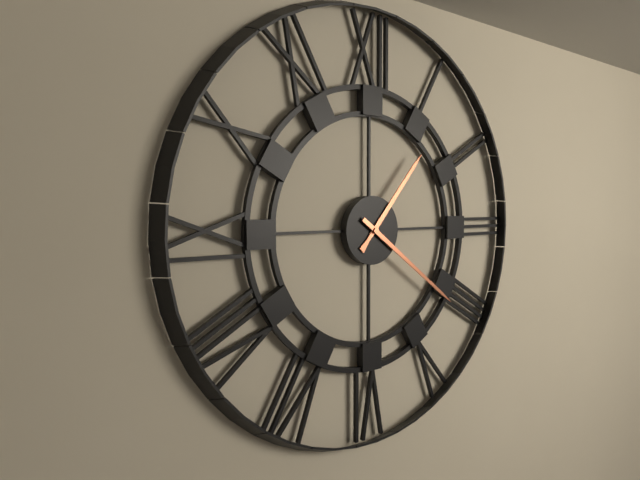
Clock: 1.21
